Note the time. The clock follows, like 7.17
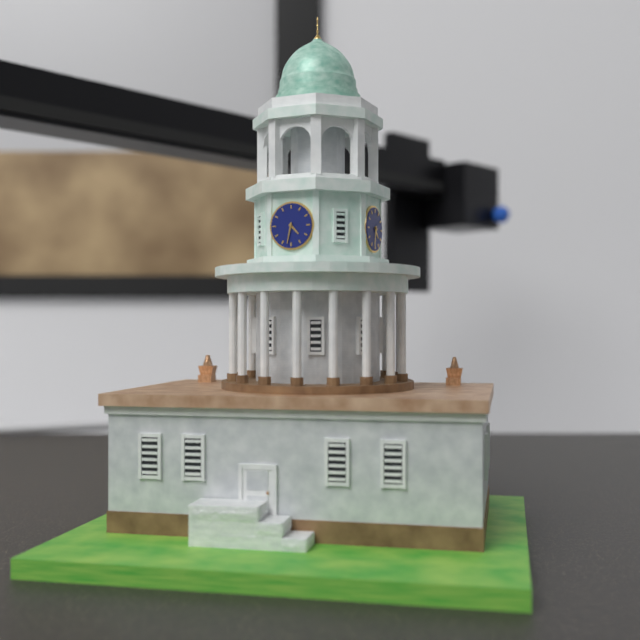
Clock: 4.32
